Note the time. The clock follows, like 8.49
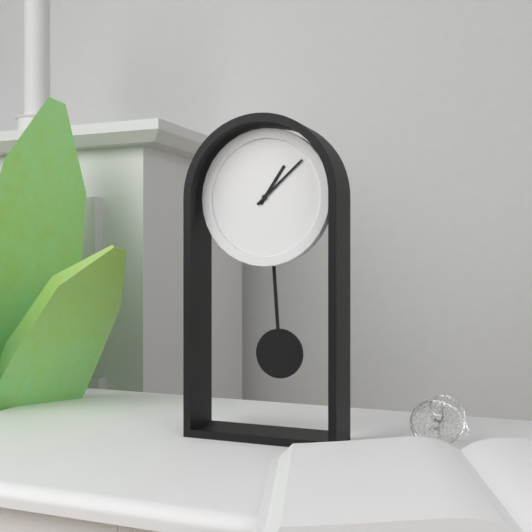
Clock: 1.08
